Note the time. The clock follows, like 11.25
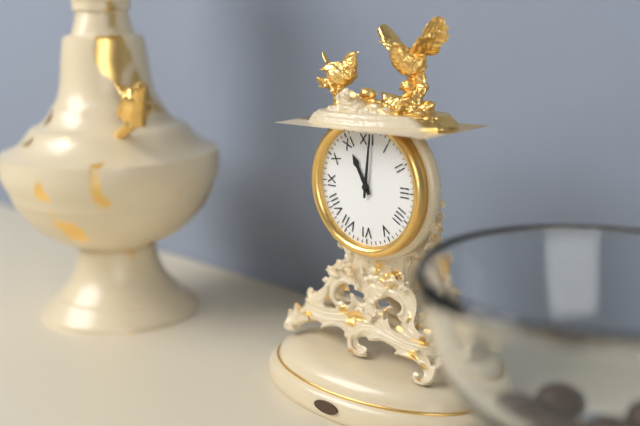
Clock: 11.01
